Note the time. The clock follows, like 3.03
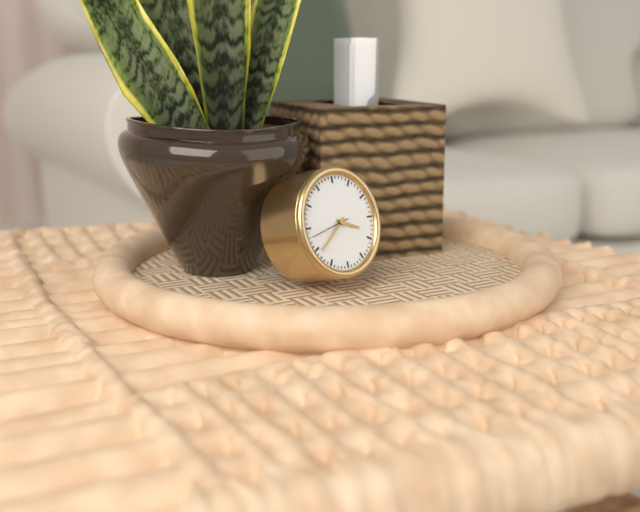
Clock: 3.39
